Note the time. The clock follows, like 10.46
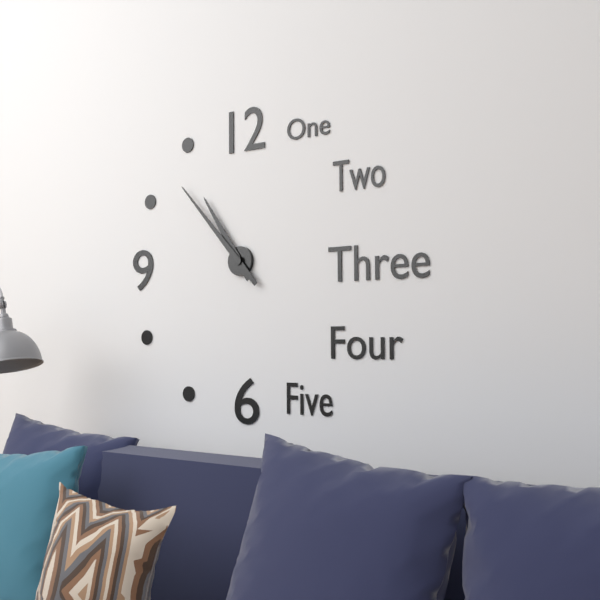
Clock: 10.53
